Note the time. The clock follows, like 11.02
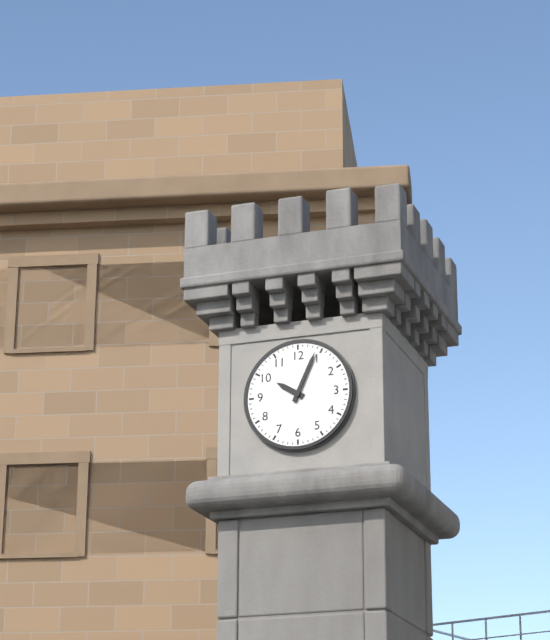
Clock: 10.04
